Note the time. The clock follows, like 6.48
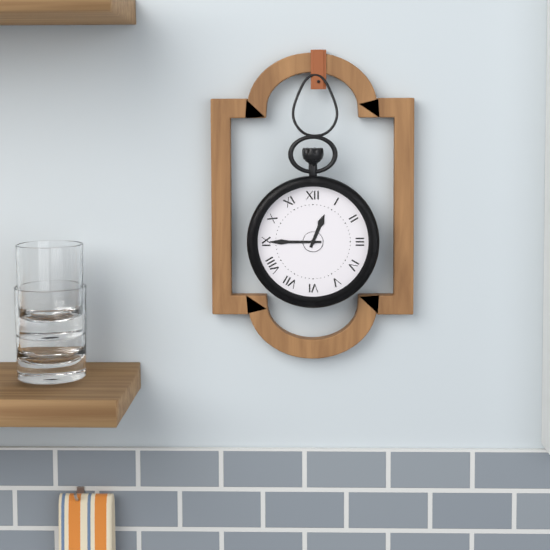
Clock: 12.45
